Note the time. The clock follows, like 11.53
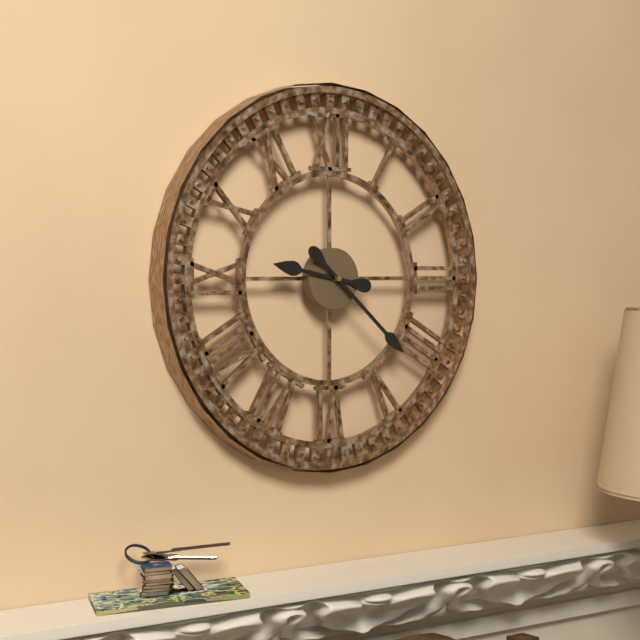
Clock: 9.22
